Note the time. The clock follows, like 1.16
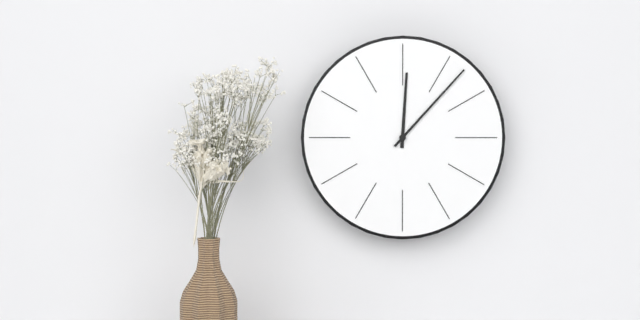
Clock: 12.07
